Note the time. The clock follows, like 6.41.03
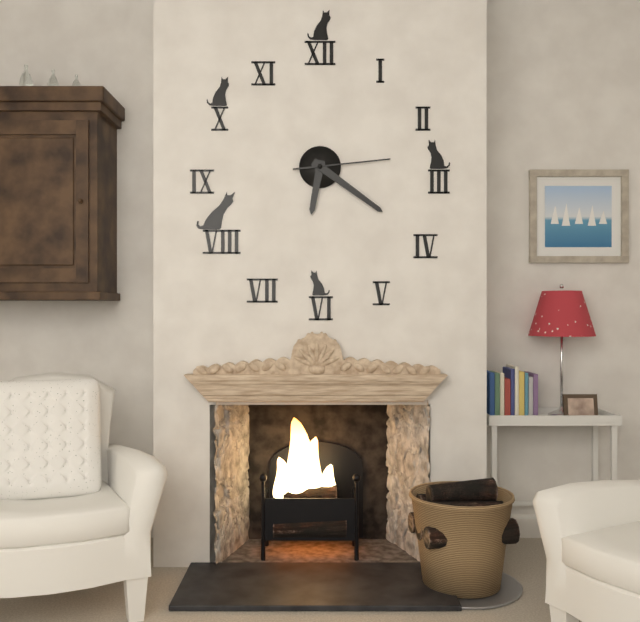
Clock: 6.21.14
